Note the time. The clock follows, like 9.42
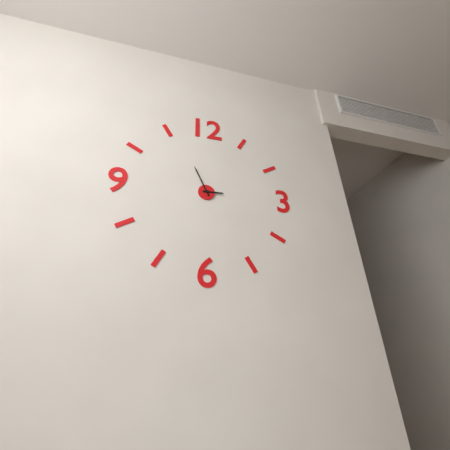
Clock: 2.56
